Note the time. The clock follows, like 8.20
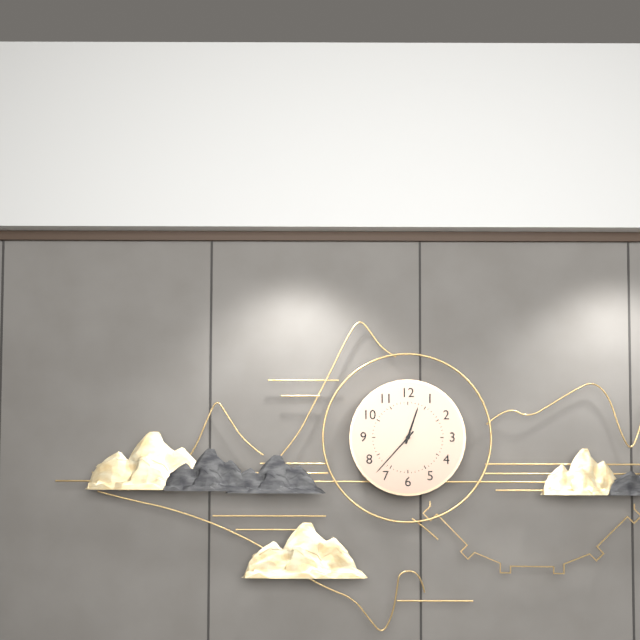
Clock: 12.37
